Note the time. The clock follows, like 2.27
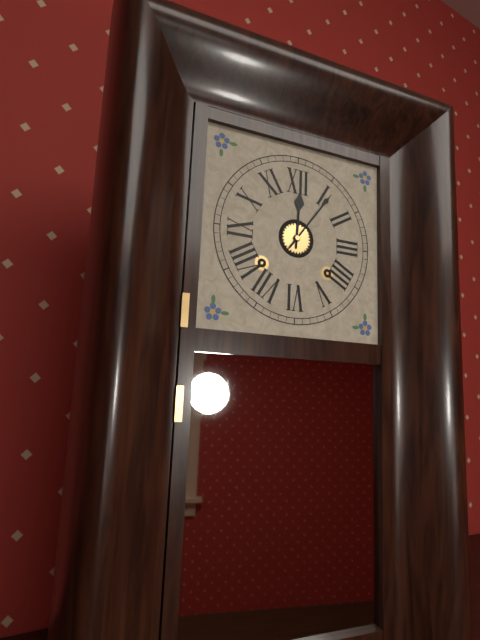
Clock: 12.06
